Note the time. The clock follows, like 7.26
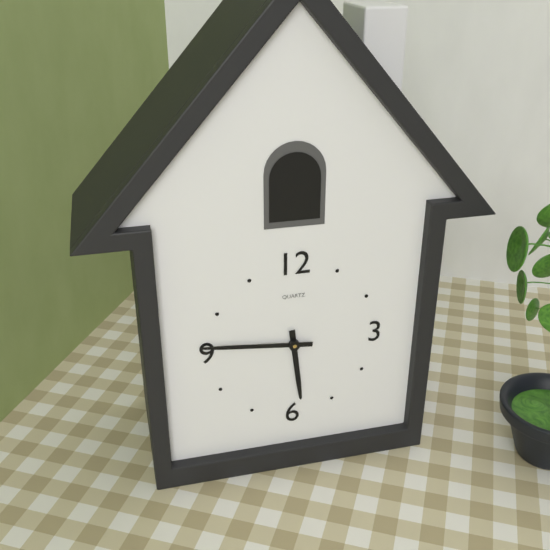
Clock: 5.46
